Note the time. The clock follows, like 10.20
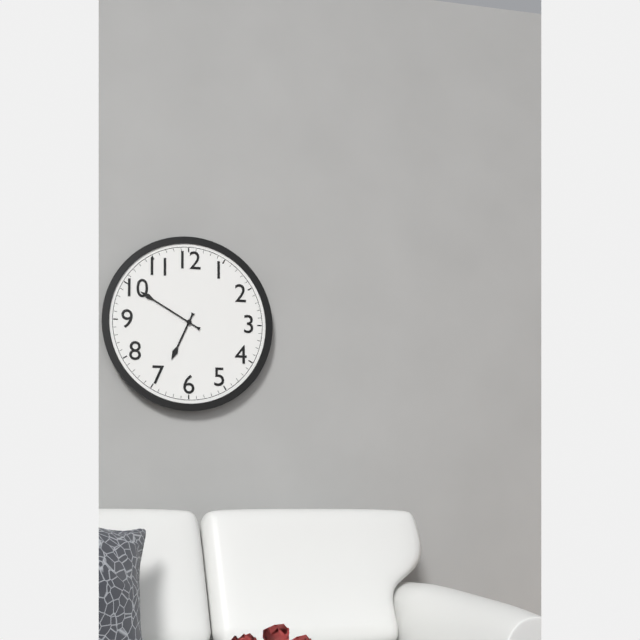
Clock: 6.50
